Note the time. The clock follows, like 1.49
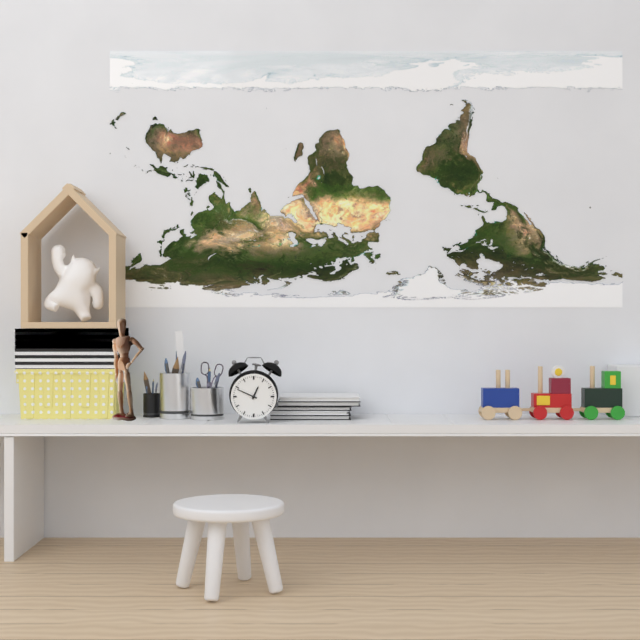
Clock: 12.49
